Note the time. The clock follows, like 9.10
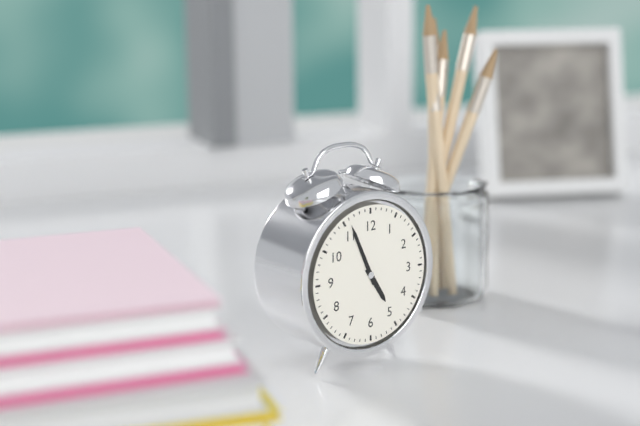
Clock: 4.56
